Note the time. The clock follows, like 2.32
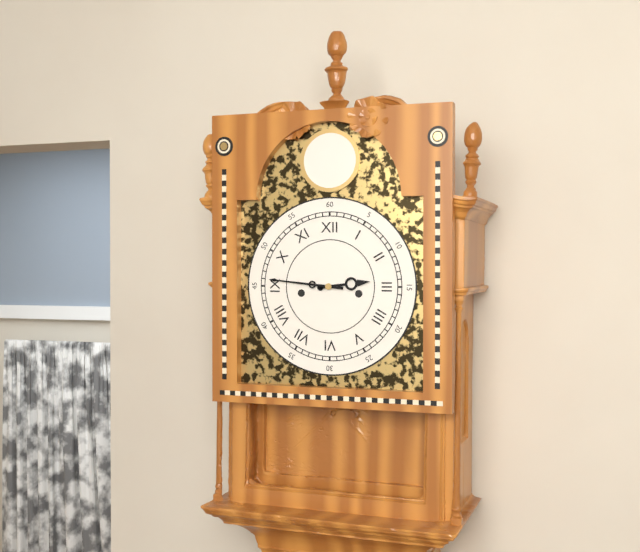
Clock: 2.46
